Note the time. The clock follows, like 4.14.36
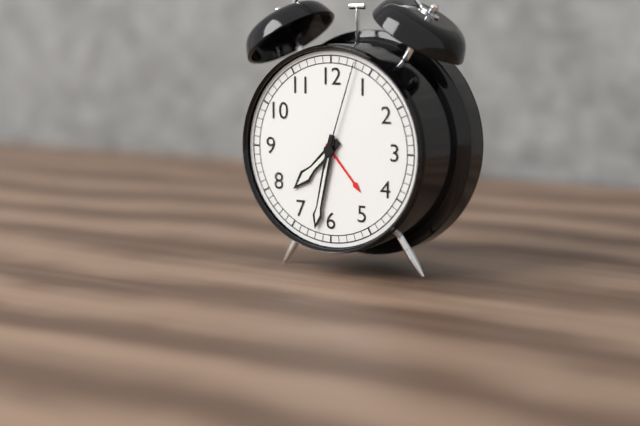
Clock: 7.32.03
